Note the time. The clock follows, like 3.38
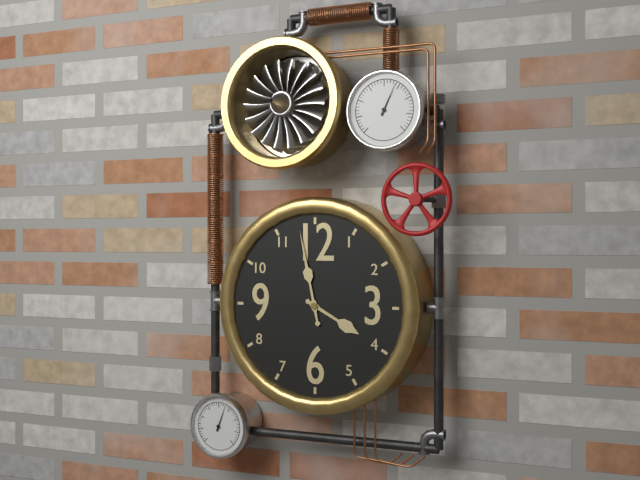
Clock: 3.58
